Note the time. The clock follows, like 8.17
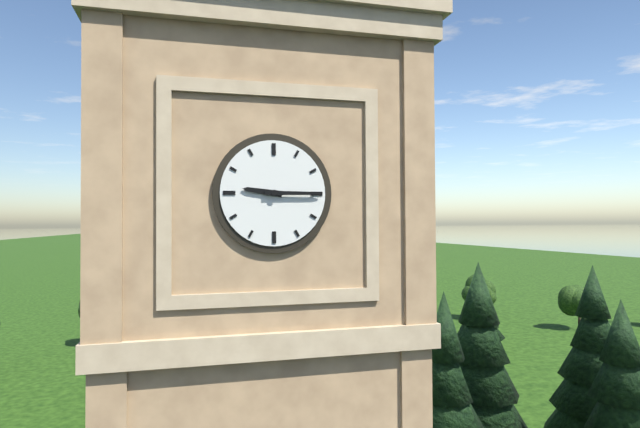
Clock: 9.15
